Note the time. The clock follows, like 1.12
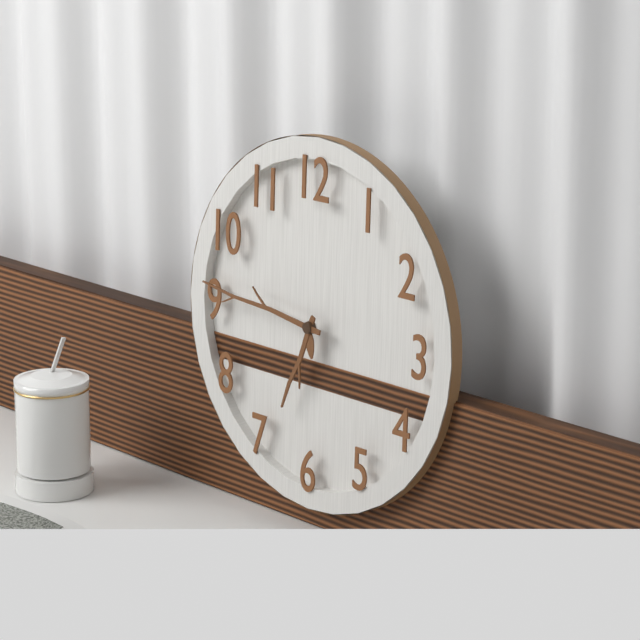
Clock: 6.46
